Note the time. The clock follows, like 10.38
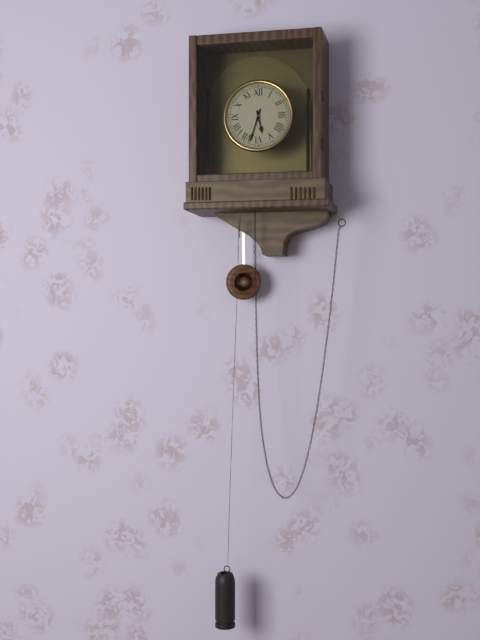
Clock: 5.33
